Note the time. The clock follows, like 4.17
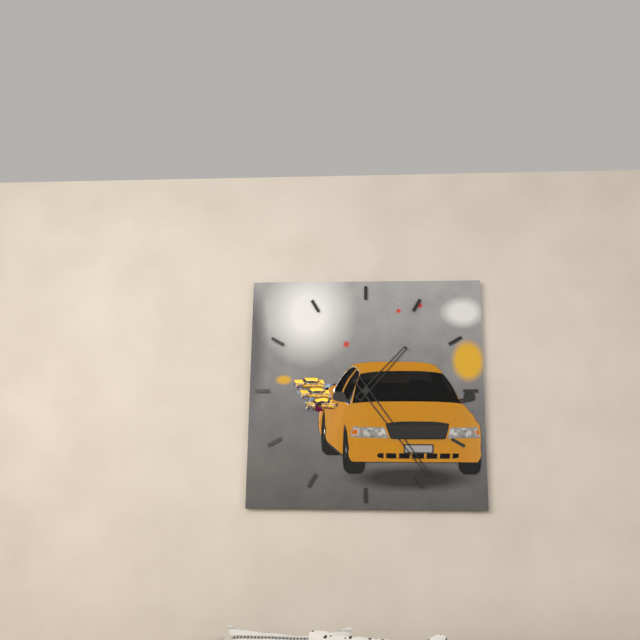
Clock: 1.24
